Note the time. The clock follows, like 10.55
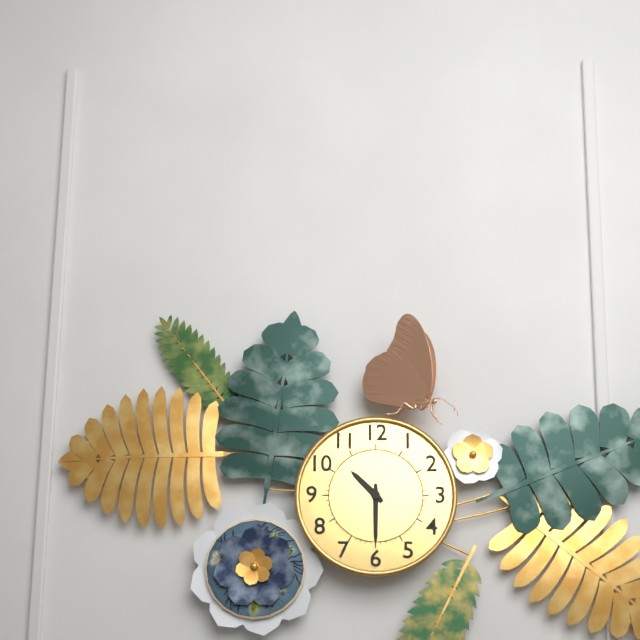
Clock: 10.30
